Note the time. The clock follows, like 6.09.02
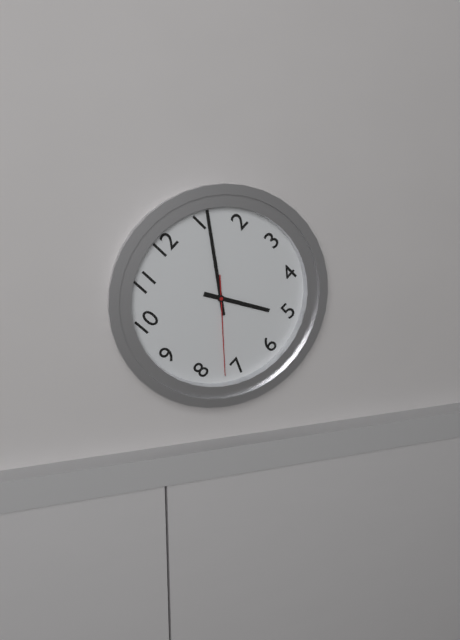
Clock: 5.06.37
